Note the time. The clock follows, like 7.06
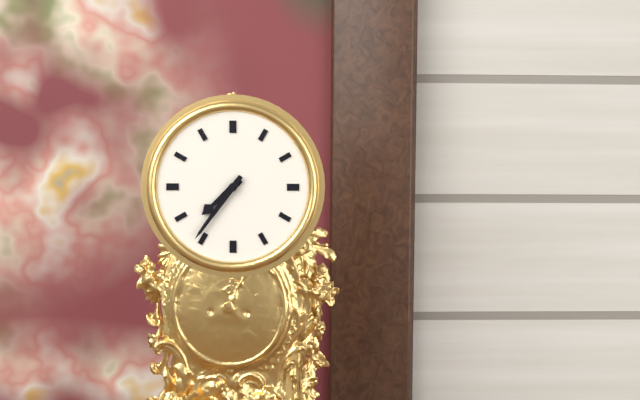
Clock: 7.36
